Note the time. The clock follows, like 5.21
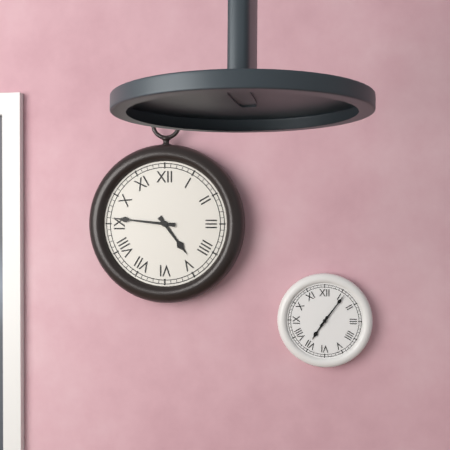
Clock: 4.46
